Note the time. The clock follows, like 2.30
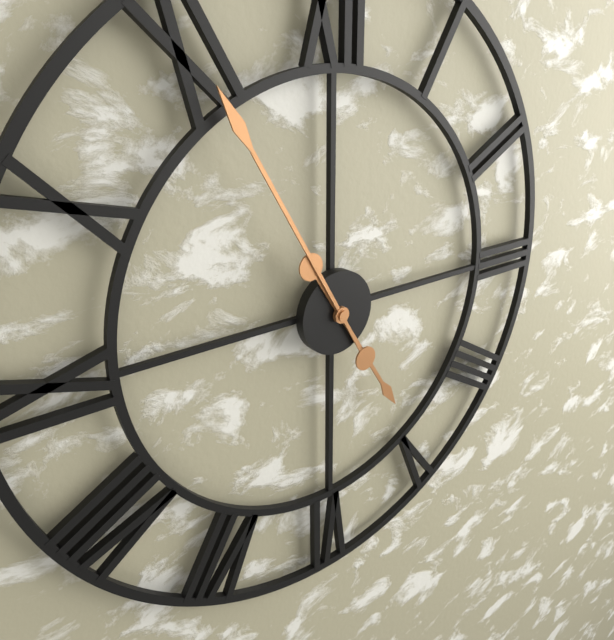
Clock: 4.55
